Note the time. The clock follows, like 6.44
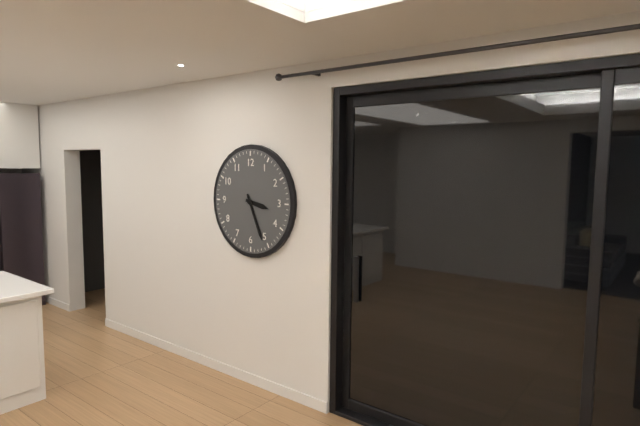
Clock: 3.26
